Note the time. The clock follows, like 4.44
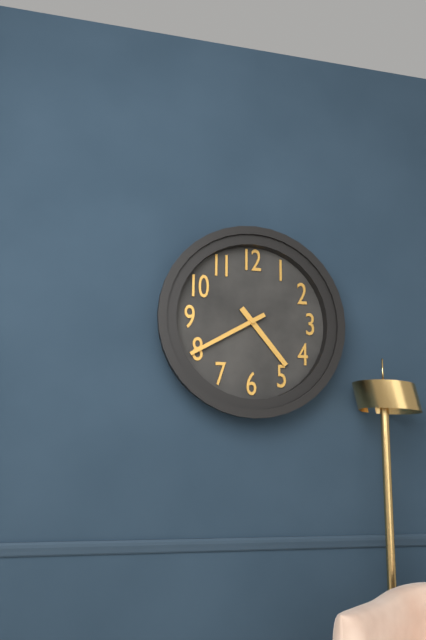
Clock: 4.40
